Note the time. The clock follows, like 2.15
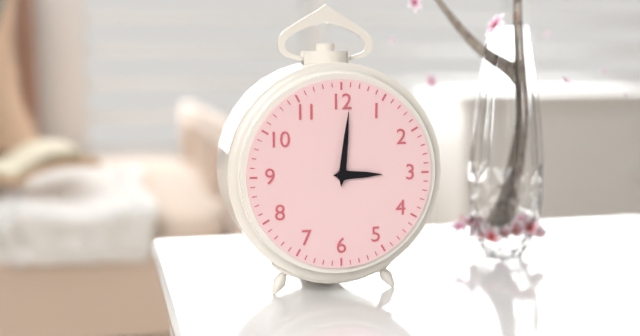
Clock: 3.01
